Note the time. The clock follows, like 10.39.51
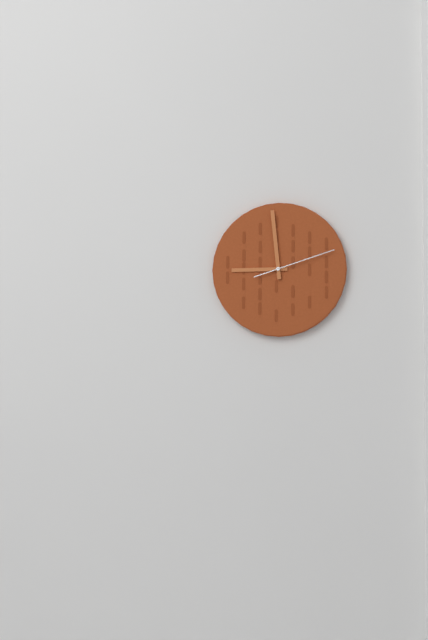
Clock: 8.59.12
